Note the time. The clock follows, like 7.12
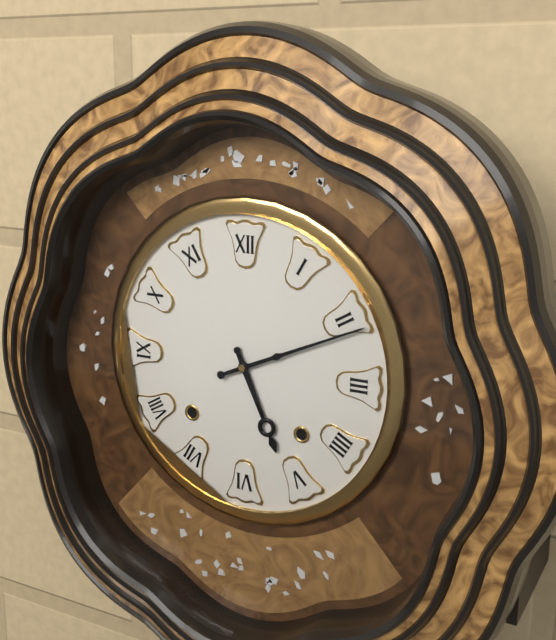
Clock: 5.11
